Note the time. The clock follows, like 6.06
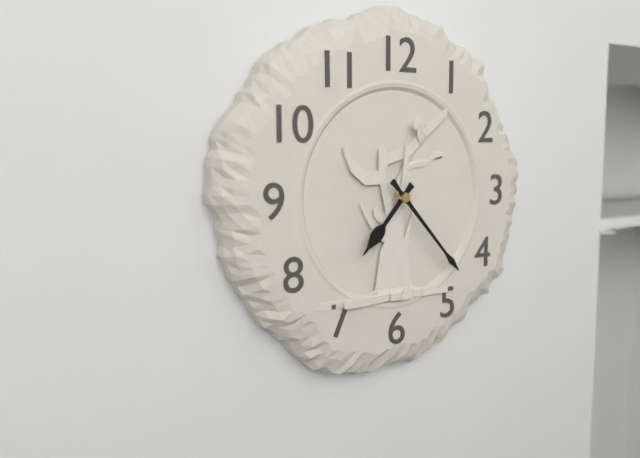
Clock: 7.23
